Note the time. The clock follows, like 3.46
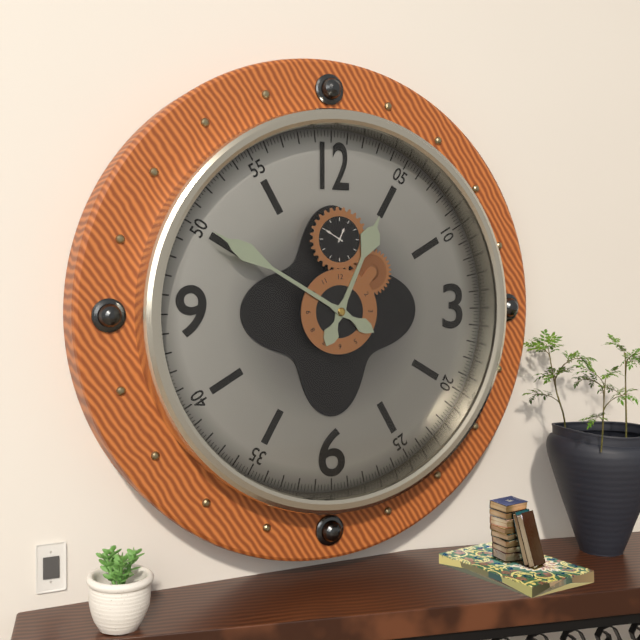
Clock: 12.50
